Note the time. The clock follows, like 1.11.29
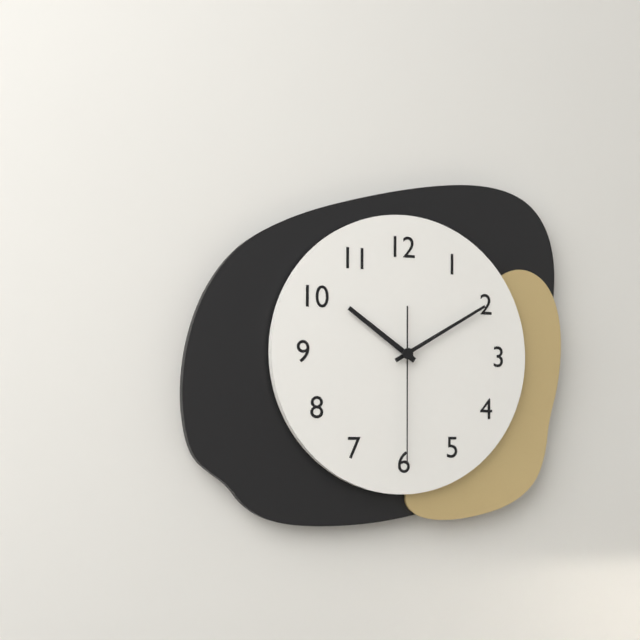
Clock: 10.10.30
